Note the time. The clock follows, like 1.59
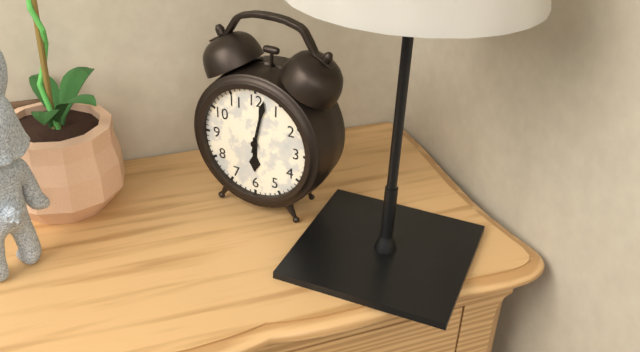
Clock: 6.02
